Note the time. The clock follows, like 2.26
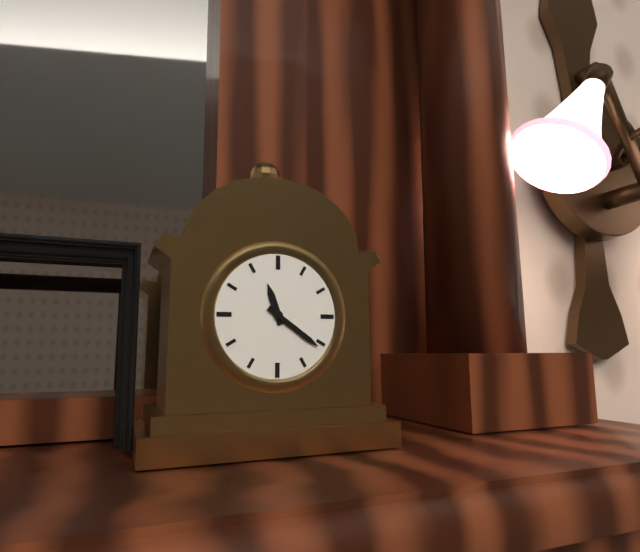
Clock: 11.21
